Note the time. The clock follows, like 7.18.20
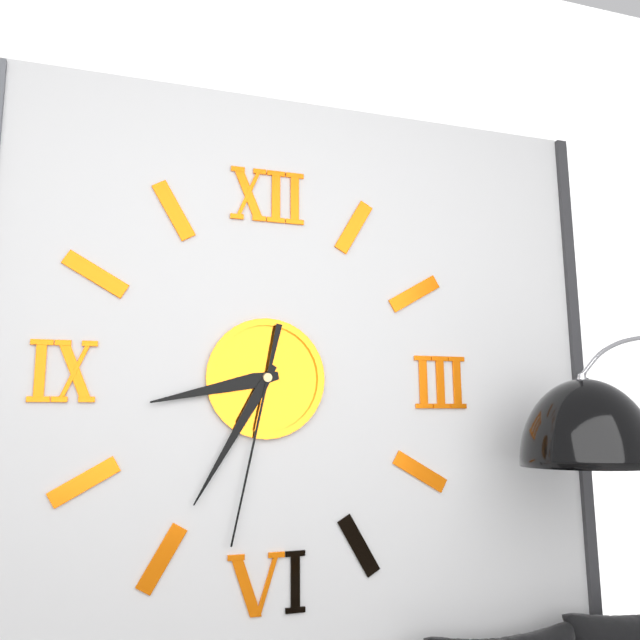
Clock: 8.35.32
